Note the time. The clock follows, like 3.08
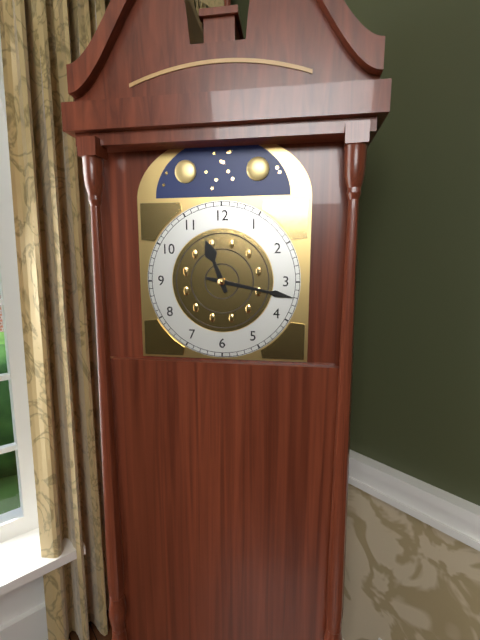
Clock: 11.17
